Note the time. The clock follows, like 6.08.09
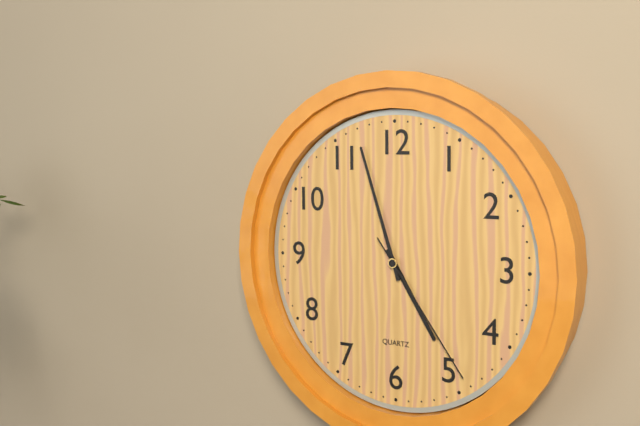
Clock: 4.57.24
